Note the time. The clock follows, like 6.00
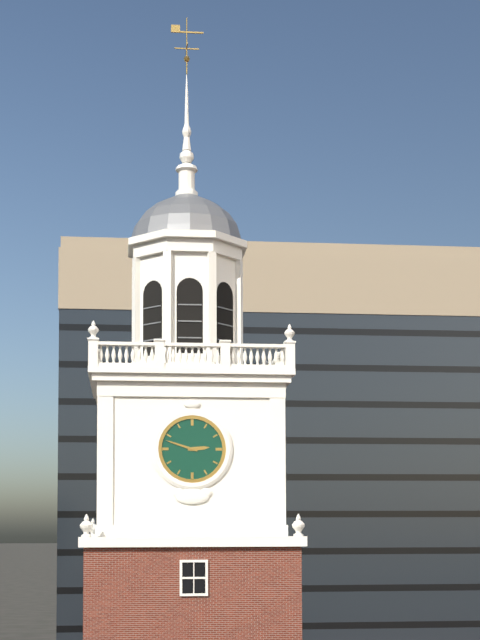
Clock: 2.48
